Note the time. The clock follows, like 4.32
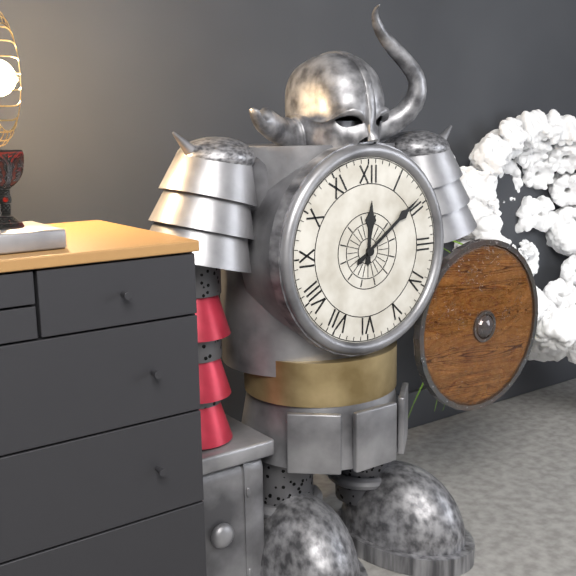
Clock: 12.09
